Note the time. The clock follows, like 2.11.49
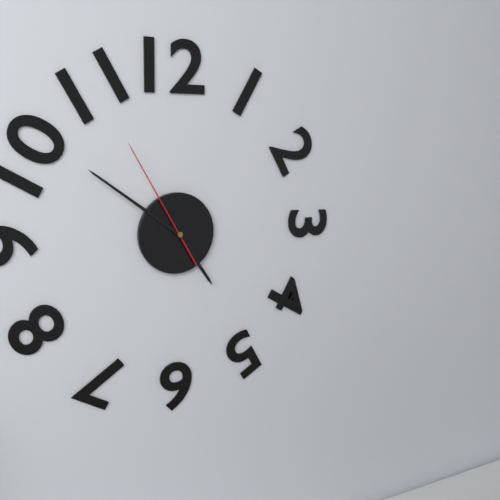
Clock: 4.51.55
